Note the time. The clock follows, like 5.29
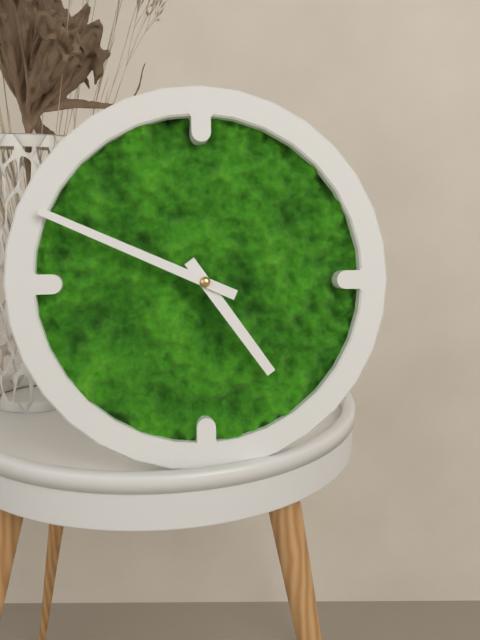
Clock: 4.49
